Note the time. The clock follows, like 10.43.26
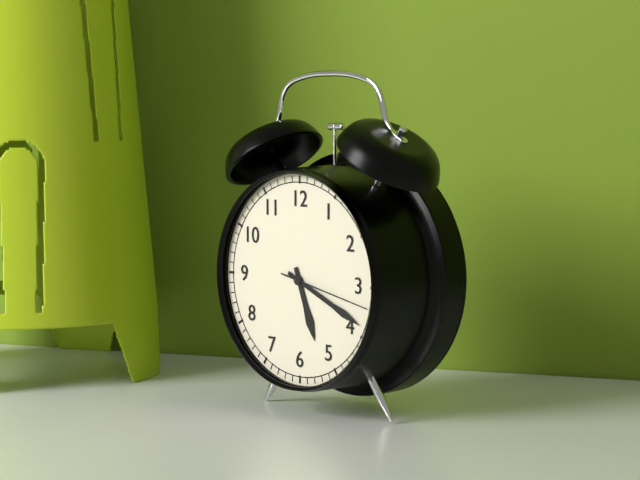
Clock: 5.19.17
